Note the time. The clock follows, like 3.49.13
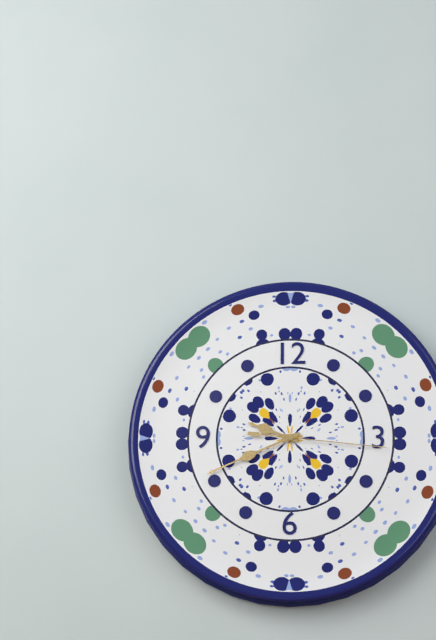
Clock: 9.41.16
